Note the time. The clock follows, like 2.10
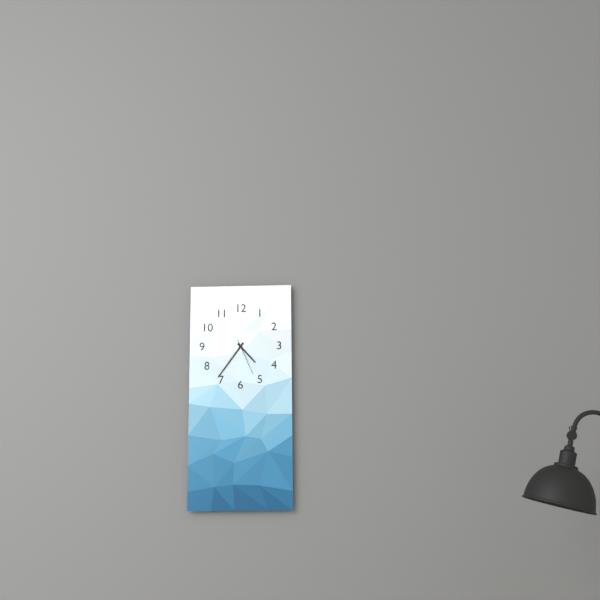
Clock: 4.36
